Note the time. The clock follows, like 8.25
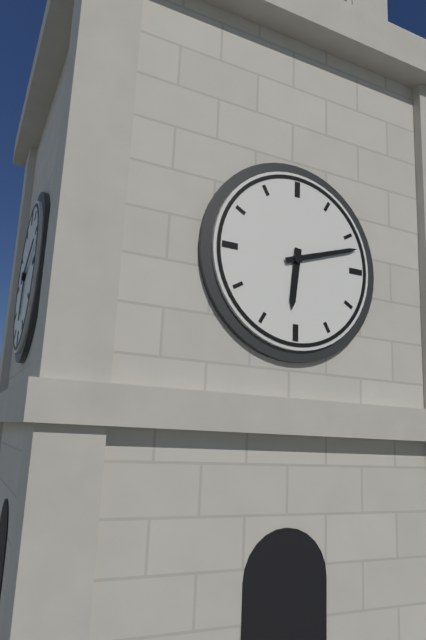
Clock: 6.12
